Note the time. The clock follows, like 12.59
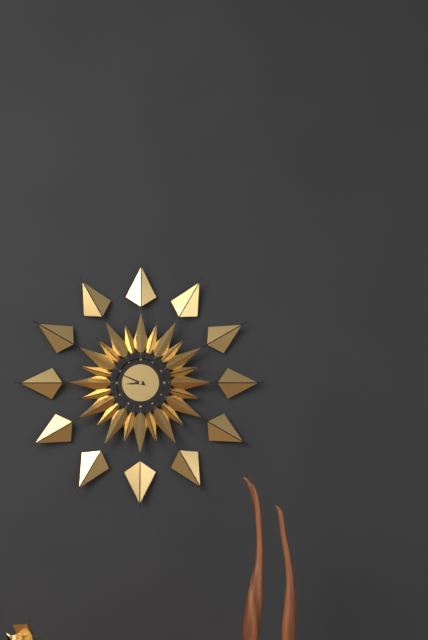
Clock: 8.49
